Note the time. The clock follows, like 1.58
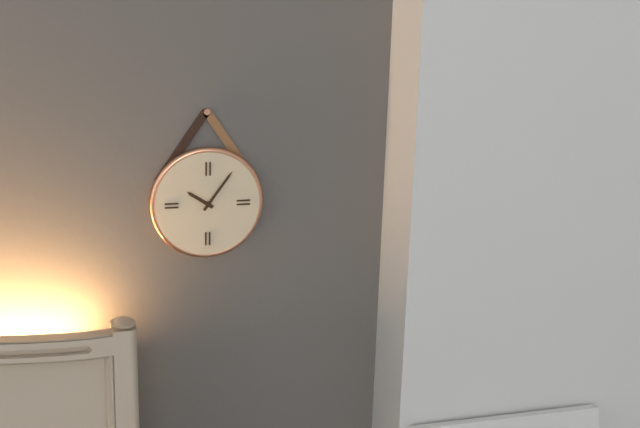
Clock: 10.06
